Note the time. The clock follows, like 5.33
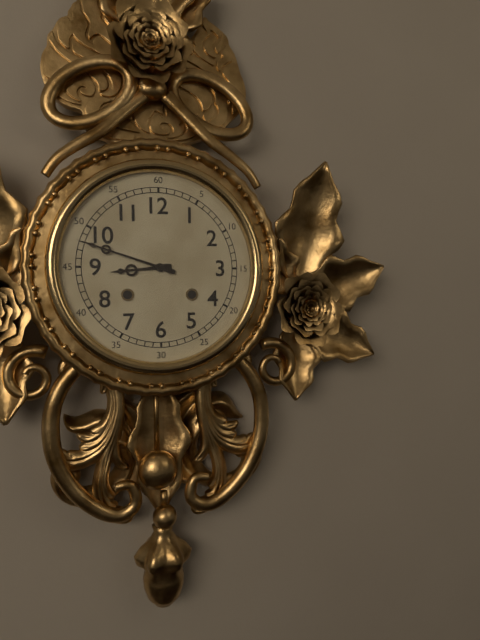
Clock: 8.48
